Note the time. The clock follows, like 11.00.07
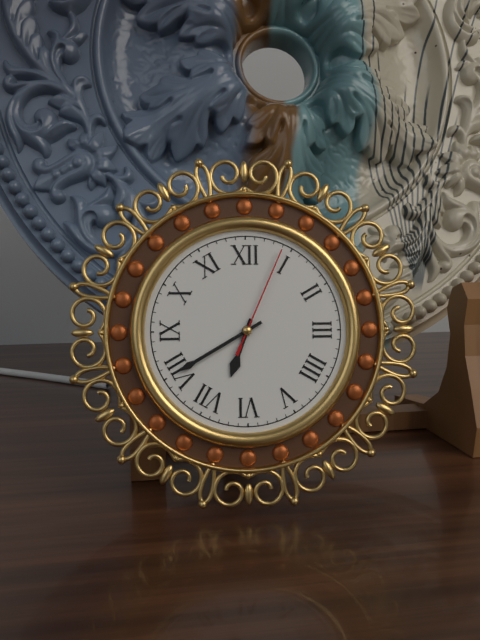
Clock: 6.40.04
